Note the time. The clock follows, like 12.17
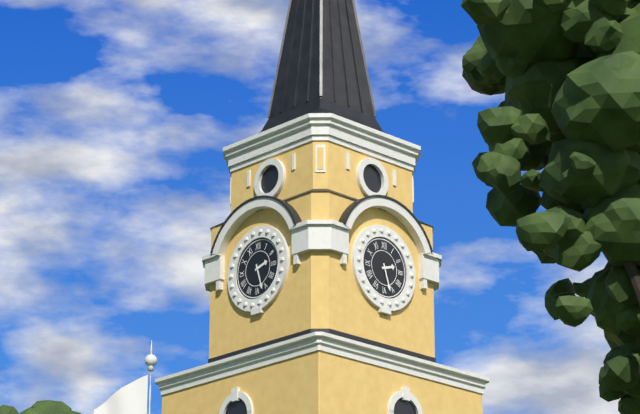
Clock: 2.27
